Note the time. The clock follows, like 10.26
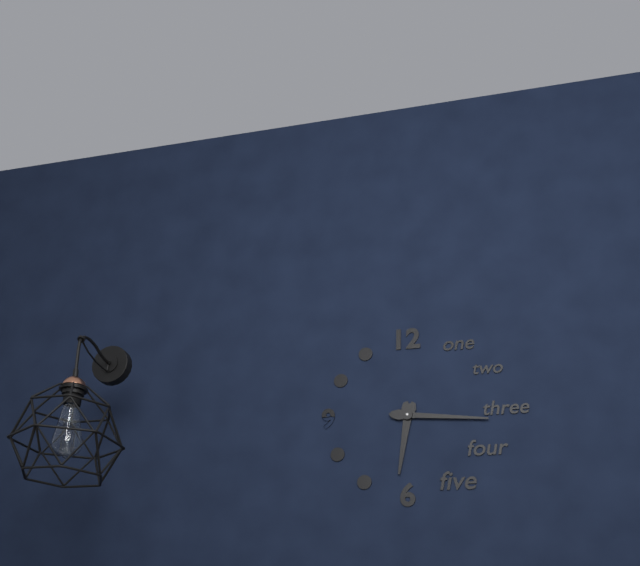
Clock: 6.16
